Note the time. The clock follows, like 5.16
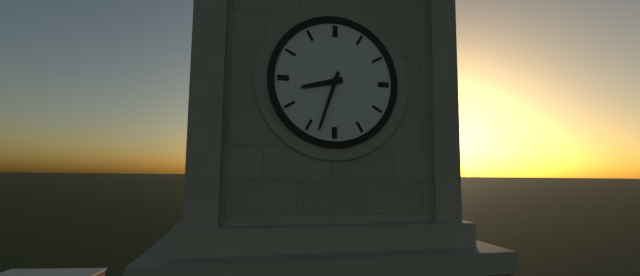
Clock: 8.33
